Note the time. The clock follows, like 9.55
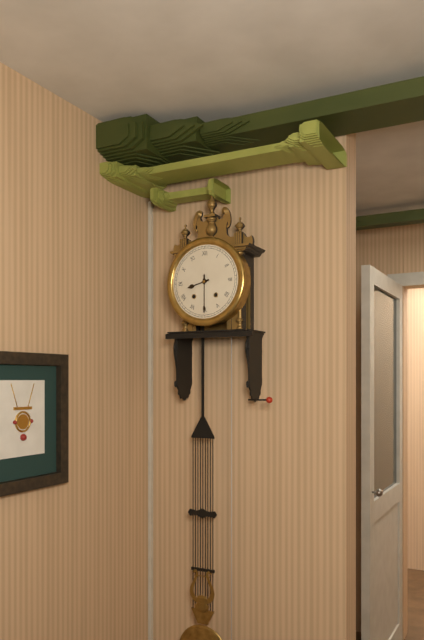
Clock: 8.30
